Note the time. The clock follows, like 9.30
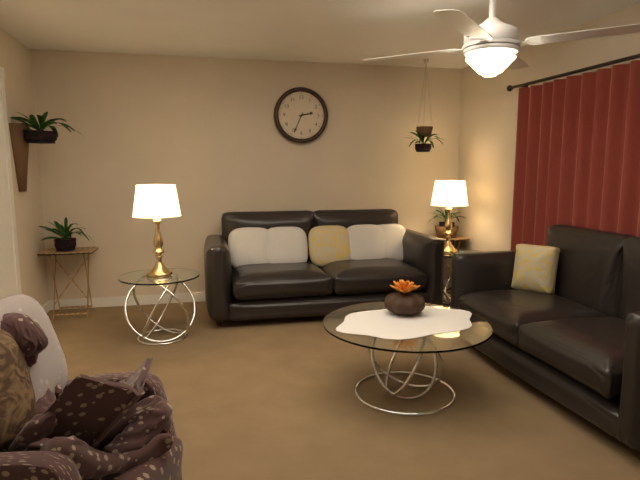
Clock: 2.34
